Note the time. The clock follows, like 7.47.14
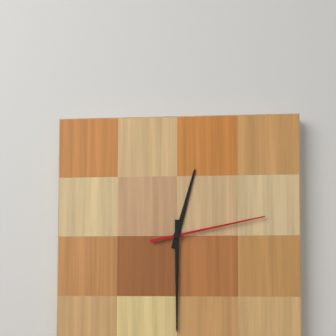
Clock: 12.30.13
